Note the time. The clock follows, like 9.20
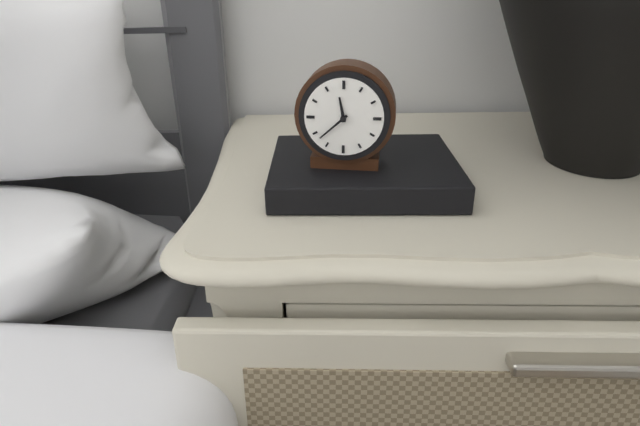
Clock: 11.38
